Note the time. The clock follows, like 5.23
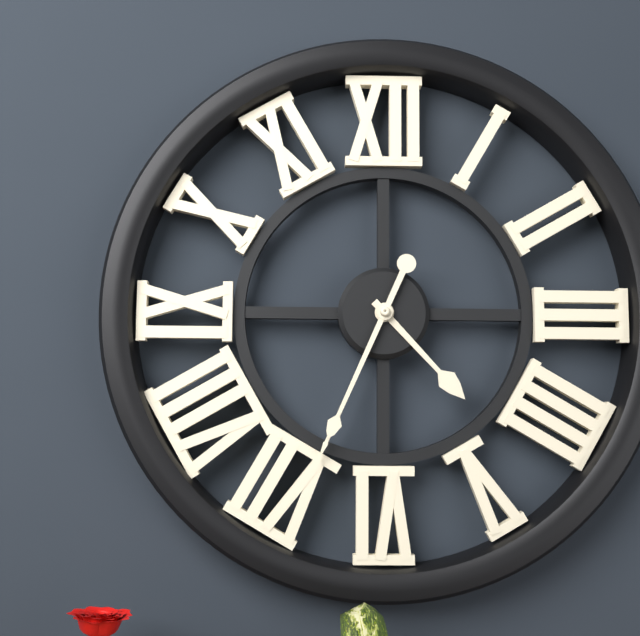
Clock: 4.34
